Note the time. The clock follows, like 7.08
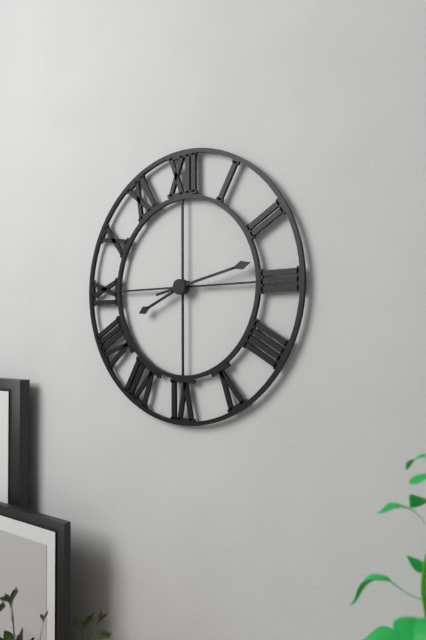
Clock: 8.13
